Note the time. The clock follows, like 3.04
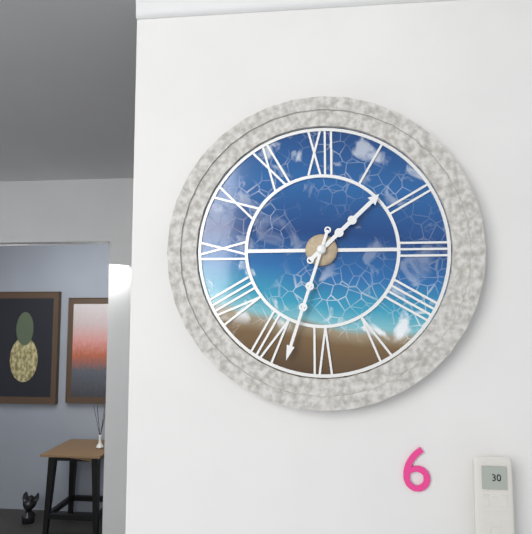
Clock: 1.33
